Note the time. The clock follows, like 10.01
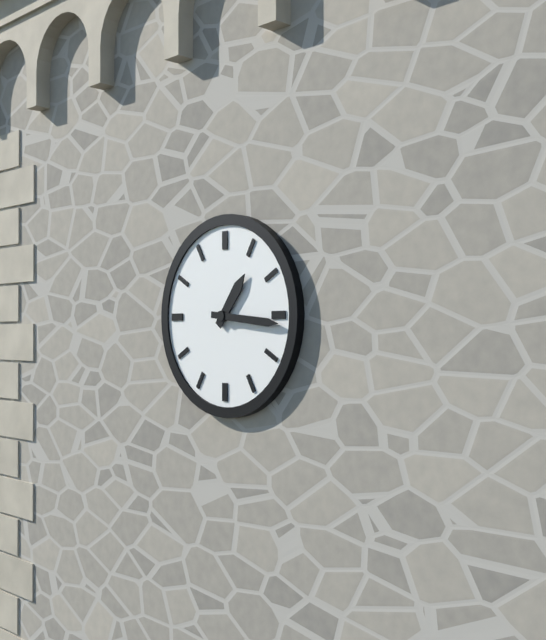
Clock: 1.16
